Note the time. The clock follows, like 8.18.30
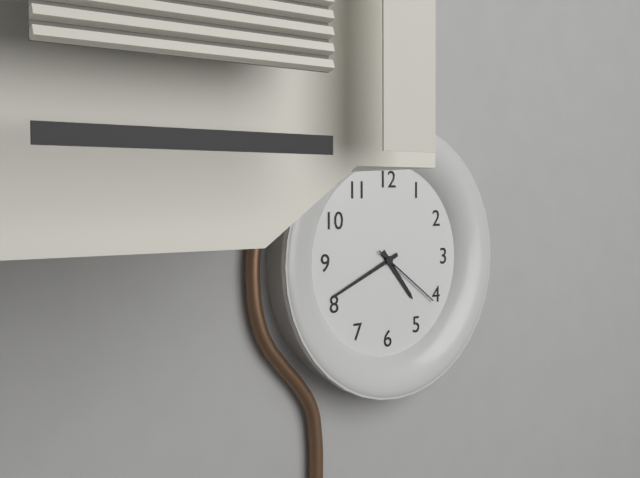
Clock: 4.41.21
